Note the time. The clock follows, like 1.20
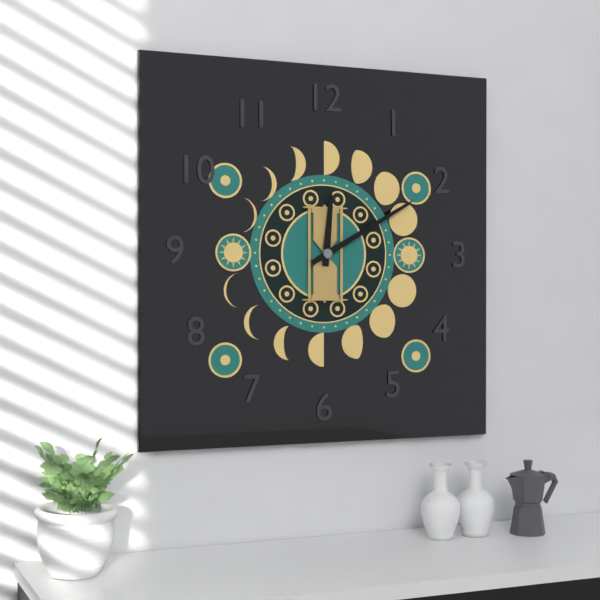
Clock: 12.10
